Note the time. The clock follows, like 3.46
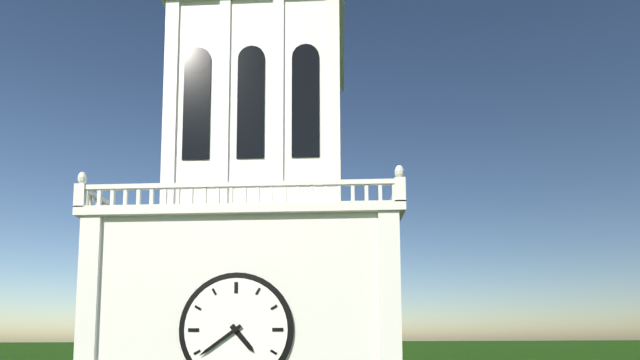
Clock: 4.39
